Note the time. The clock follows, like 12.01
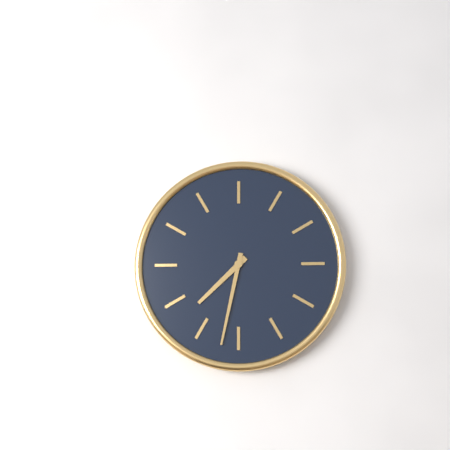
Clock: 7.32
